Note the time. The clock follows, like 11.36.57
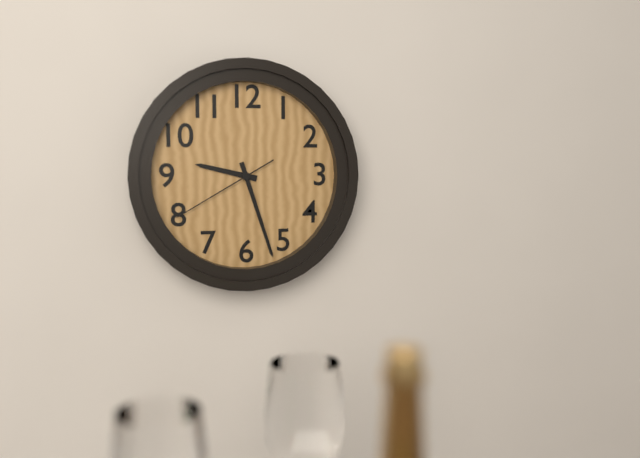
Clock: 9.27.40
